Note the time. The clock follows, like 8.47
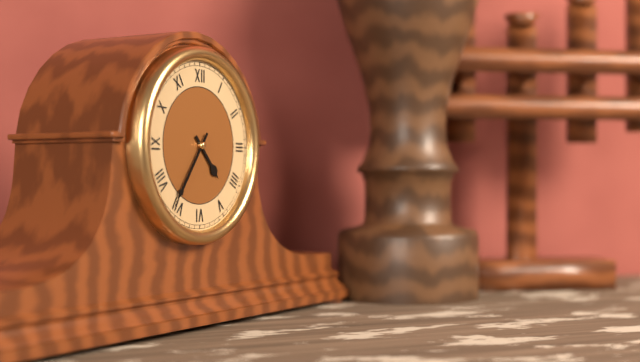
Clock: 4.36
